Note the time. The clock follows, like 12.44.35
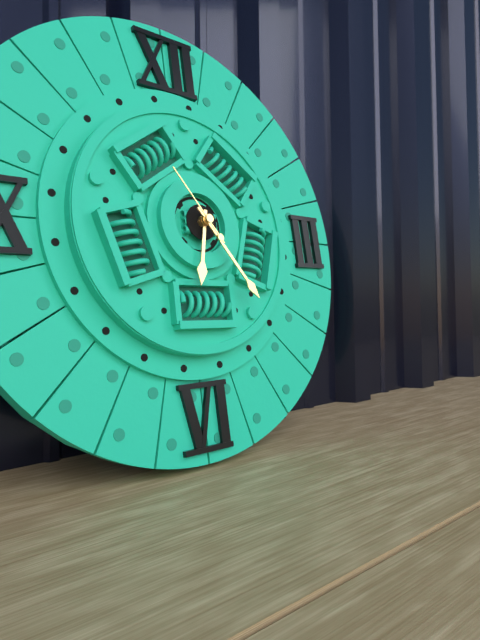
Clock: 6.24.54
